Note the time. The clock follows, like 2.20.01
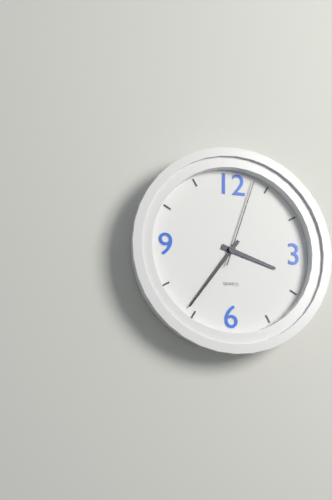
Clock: 3.36.03
